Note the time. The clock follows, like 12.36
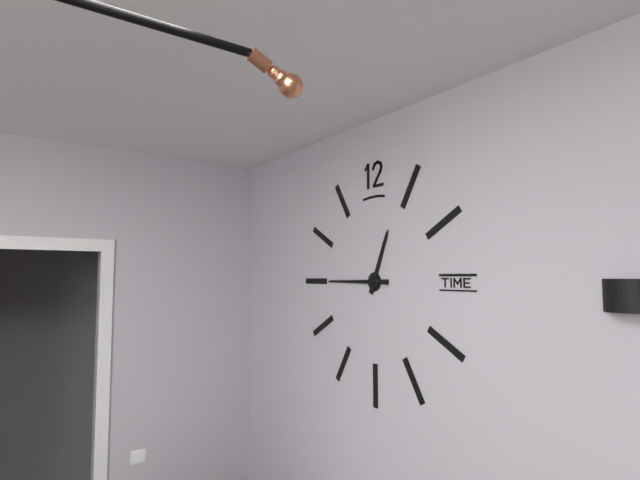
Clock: 12.45
